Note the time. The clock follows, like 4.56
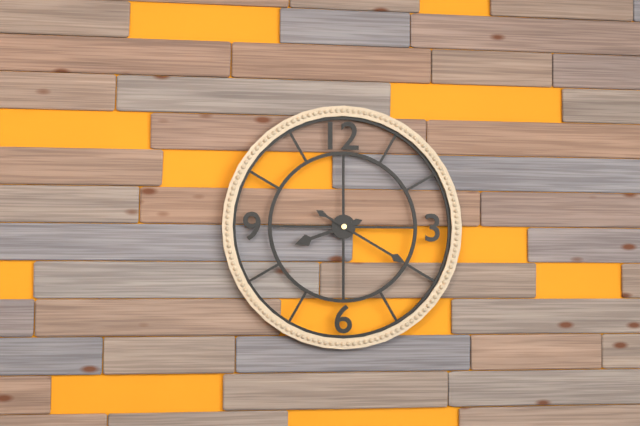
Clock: 8.20
